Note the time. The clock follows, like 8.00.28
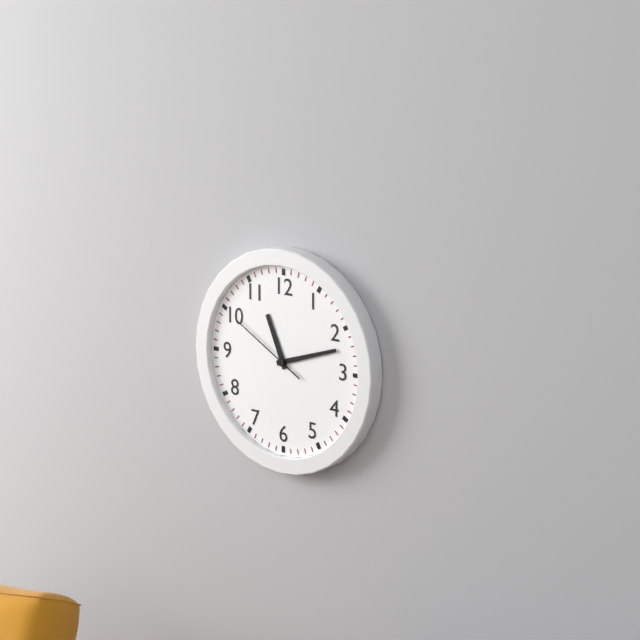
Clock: 11.12.50
